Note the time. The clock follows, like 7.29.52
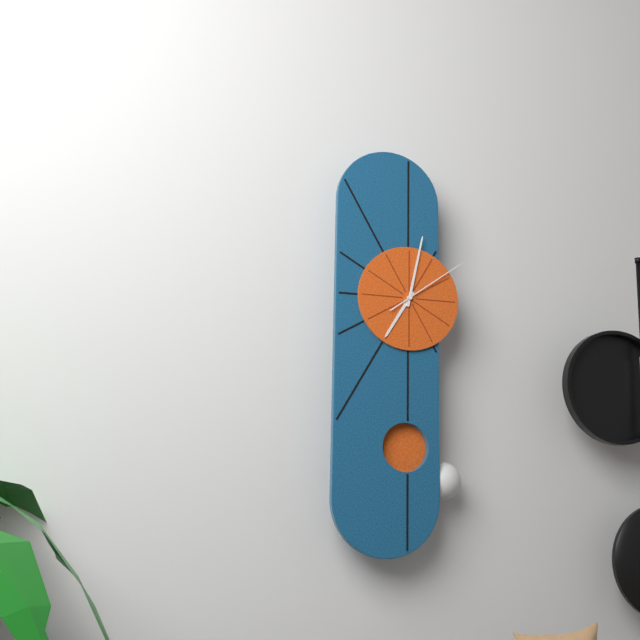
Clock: 7.02.09
